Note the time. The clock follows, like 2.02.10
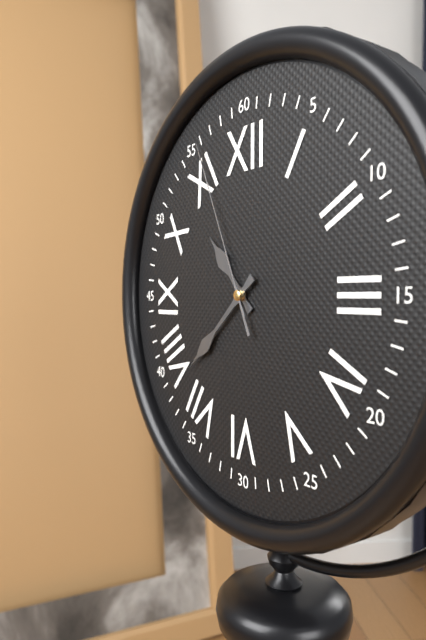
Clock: 10.38.56
